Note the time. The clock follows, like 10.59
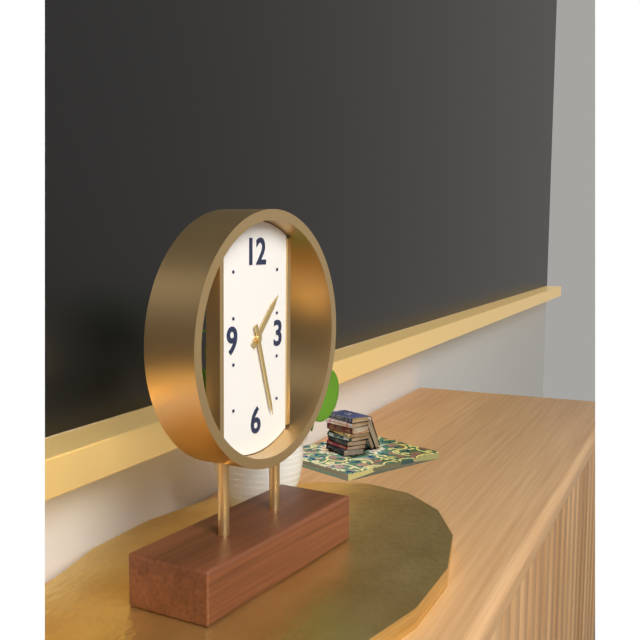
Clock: 1.27
